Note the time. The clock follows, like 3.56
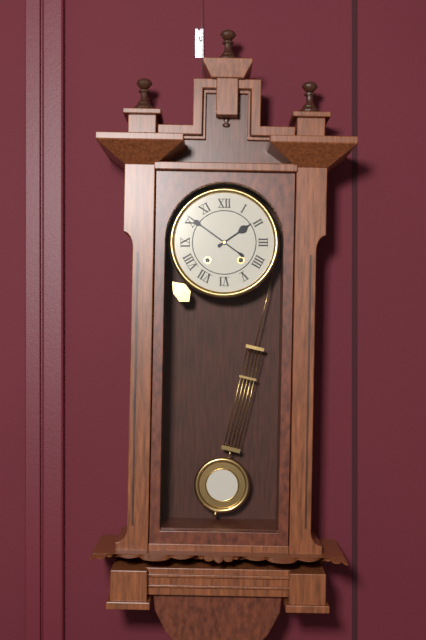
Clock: 1.51
